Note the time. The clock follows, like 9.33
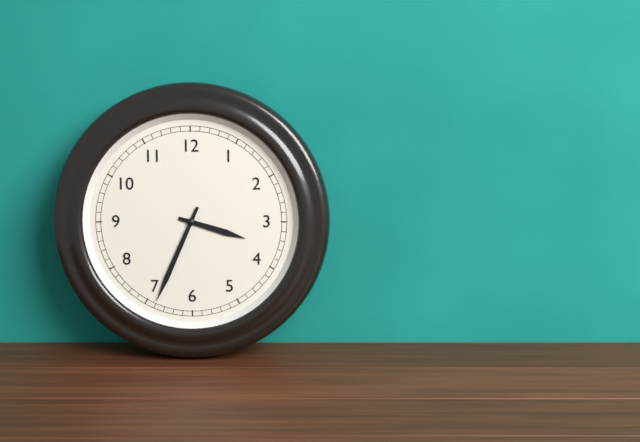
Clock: 3.34
